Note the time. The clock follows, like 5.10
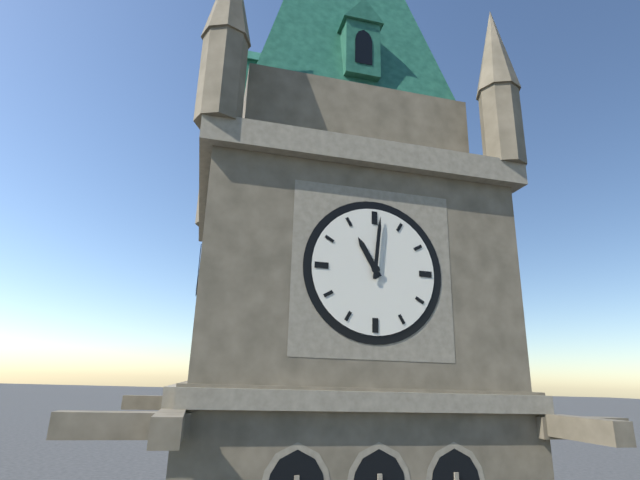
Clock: 11.01
